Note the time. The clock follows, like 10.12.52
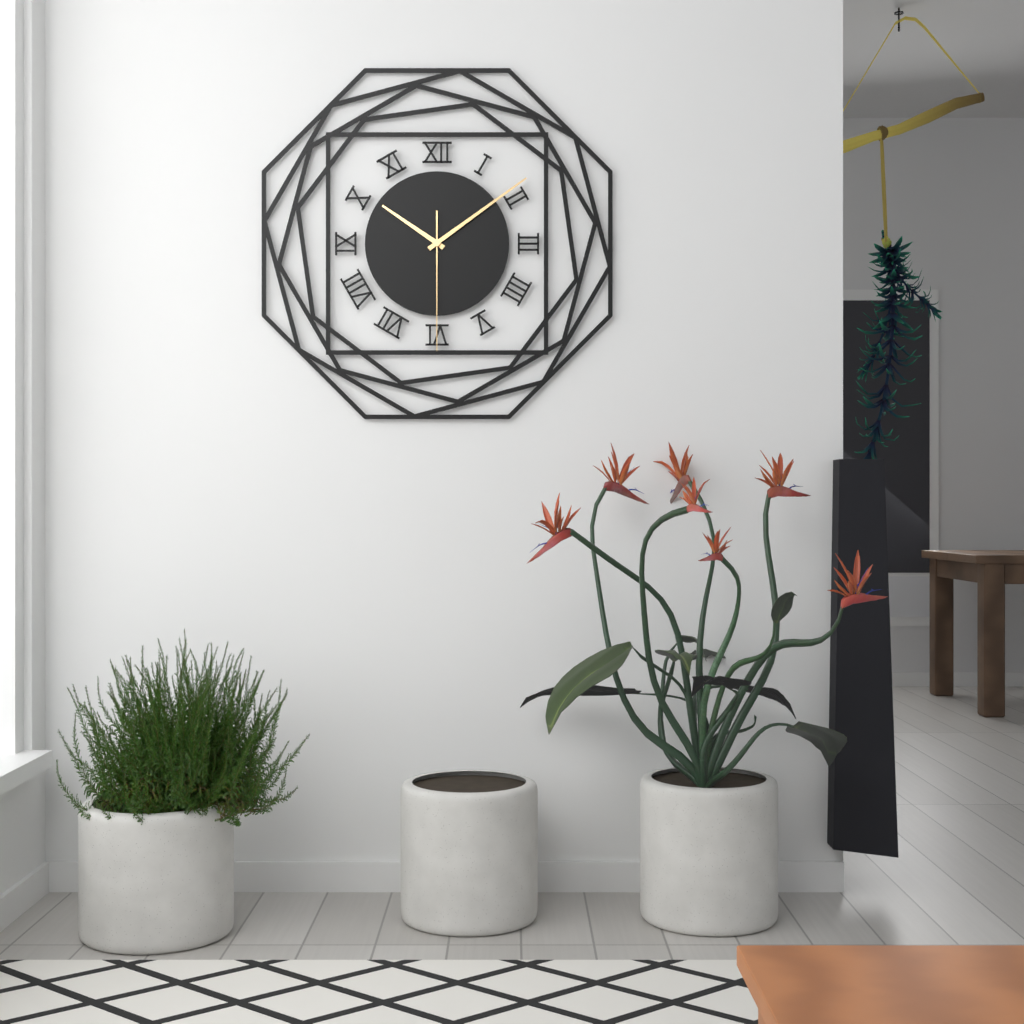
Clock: 10.09.30
